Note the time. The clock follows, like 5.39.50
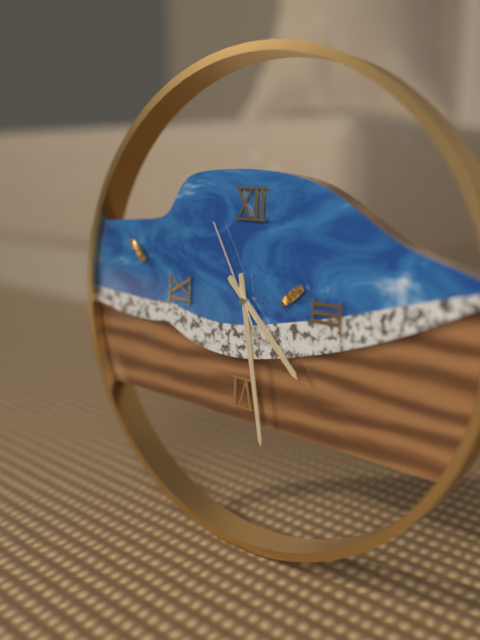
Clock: 4.28.55
